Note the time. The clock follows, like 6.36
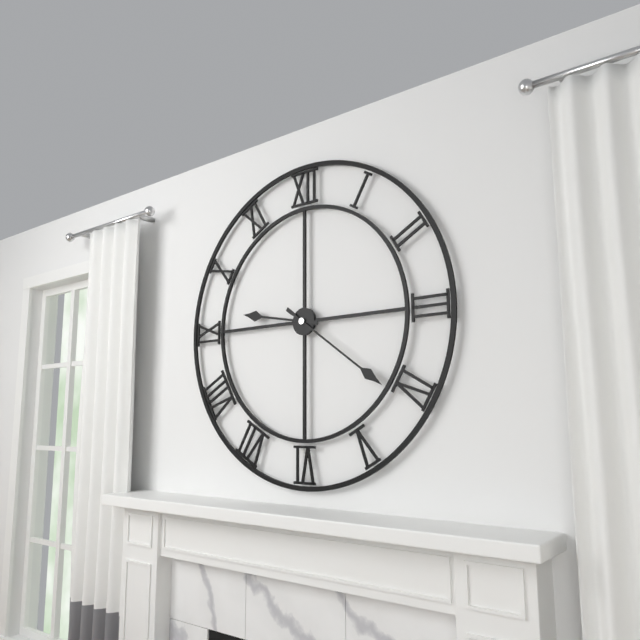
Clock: 9.21
